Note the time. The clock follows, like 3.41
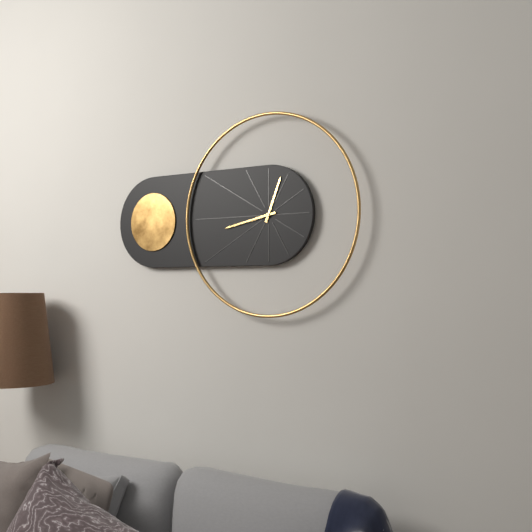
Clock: 12.43
